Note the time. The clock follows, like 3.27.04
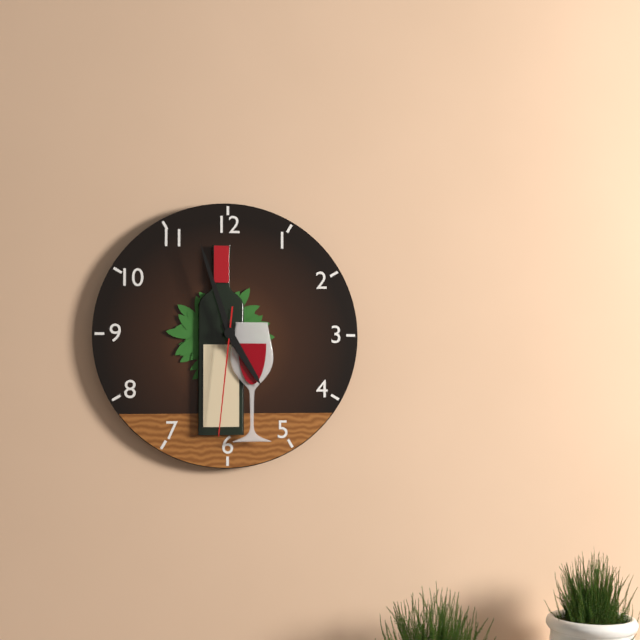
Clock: 4.57.31
